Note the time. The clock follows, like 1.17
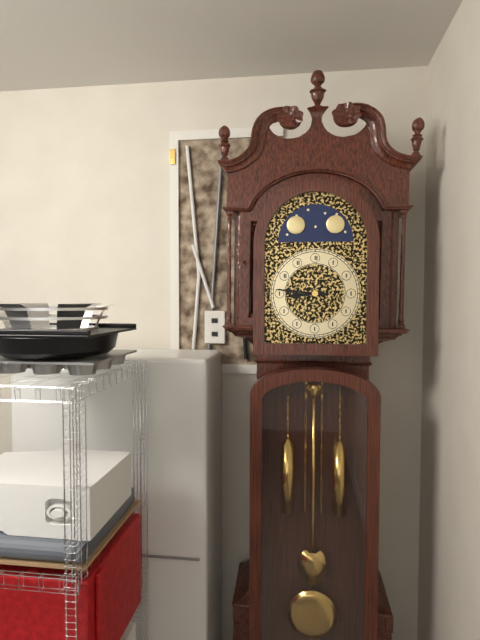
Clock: 8.46
